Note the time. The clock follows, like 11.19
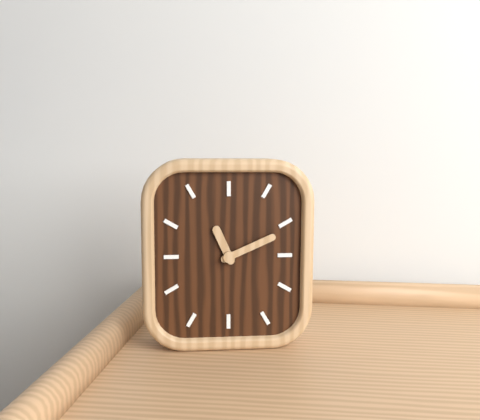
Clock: 11.11
